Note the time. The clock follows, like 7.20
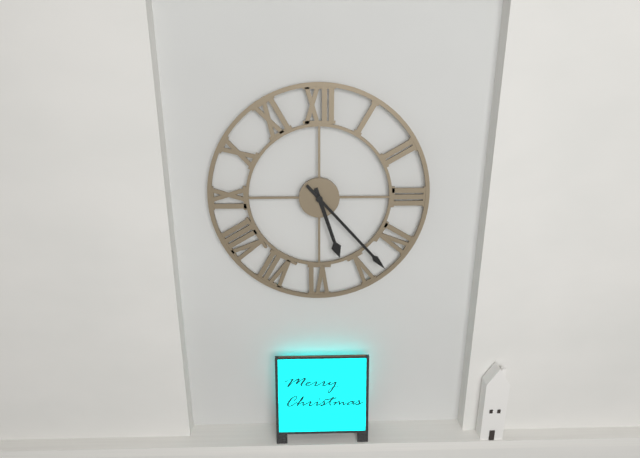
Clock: 5.23
